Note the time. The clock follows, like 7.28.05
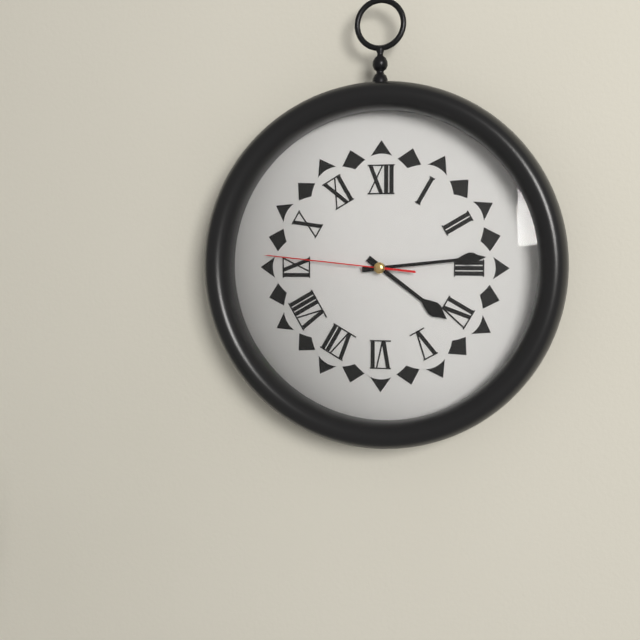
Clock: 4.14.46
